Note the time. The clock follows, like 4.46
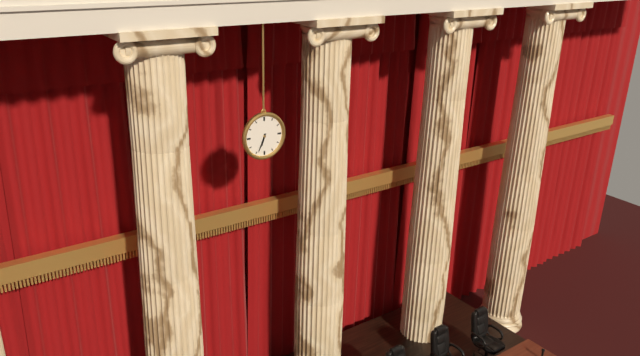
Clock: 6.34
